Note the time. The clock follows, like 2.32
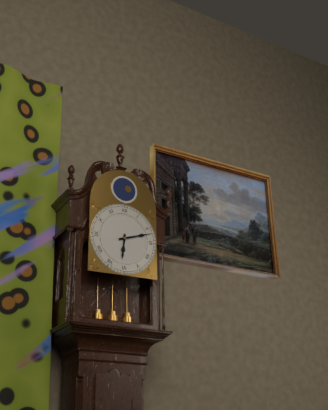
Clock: 6.12
